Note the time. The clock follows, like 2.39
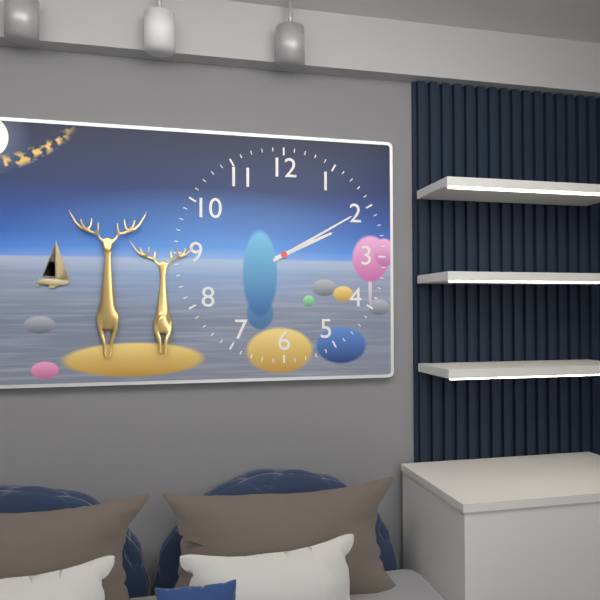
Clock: 2.10
